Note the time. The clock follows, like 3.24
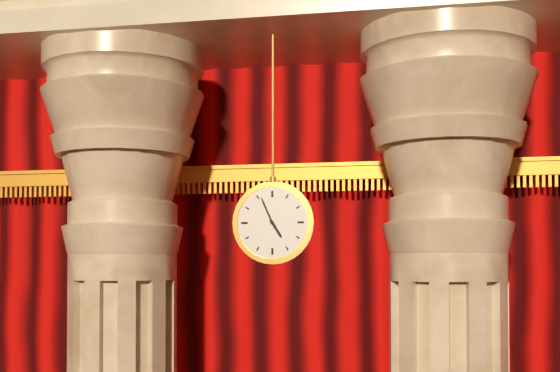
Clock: 4.56
